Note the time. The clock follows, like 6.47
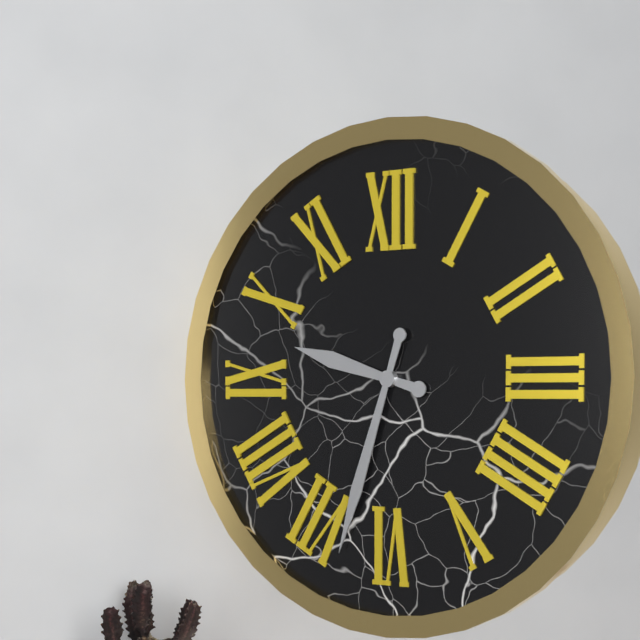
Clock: 9.33
